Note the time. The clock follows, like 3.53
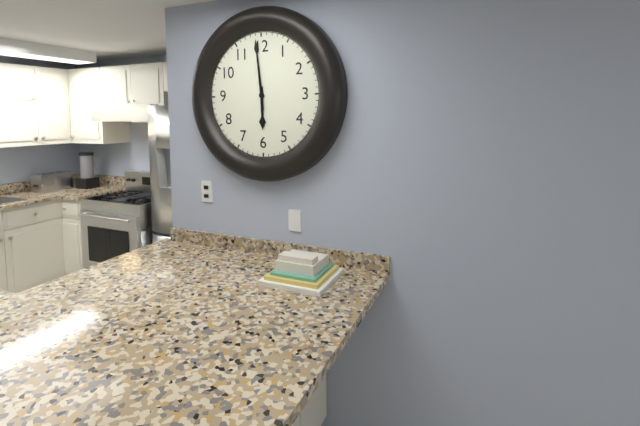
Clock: 5.59
